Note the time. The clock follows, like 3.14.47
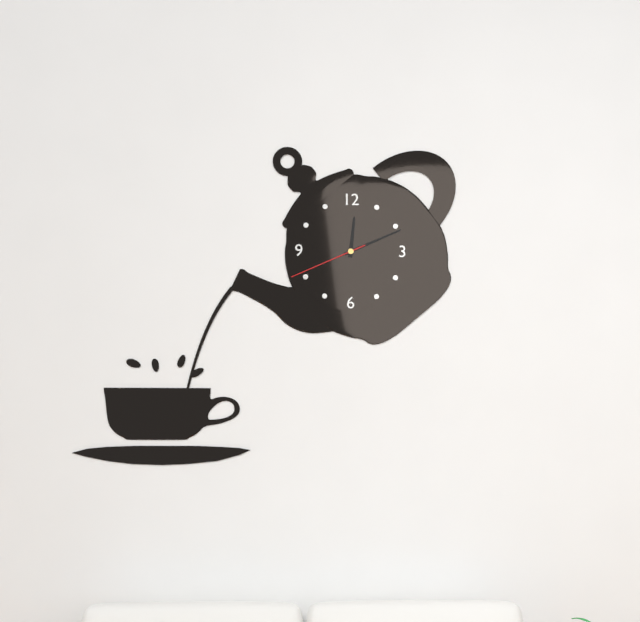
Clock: 12.11.41
